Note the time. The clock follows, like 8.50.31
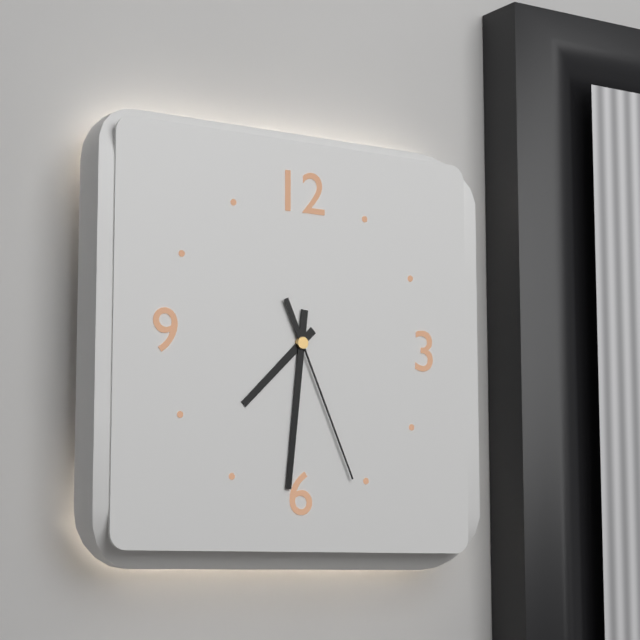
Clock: 7.31.26
